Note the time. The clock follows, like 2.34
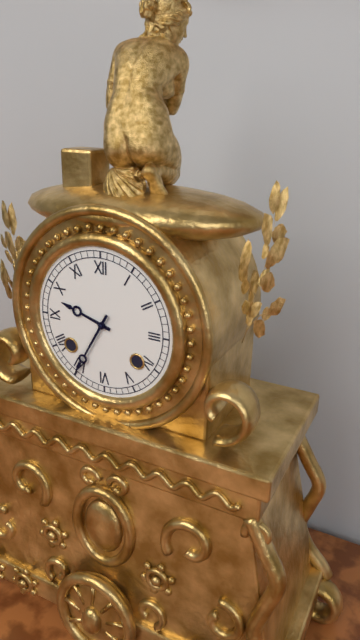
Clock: 9.35
